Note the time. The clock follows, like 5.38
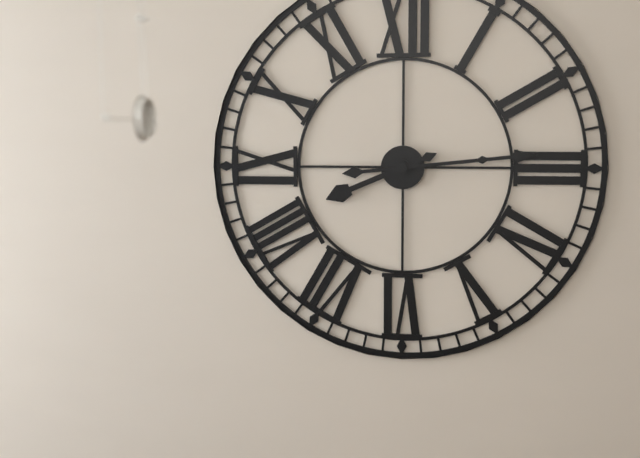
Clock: 8.14
